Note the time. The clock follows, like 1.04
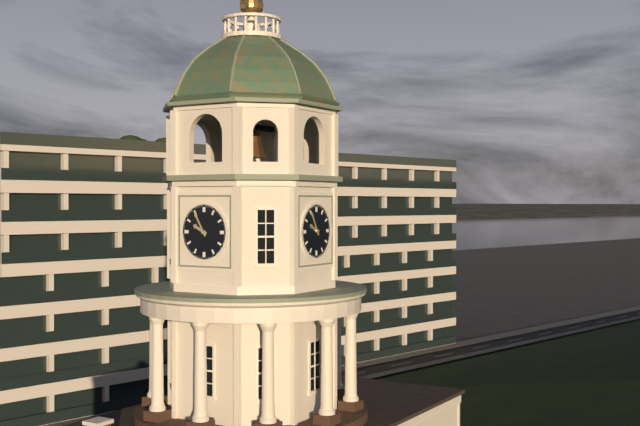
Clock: 9.55
